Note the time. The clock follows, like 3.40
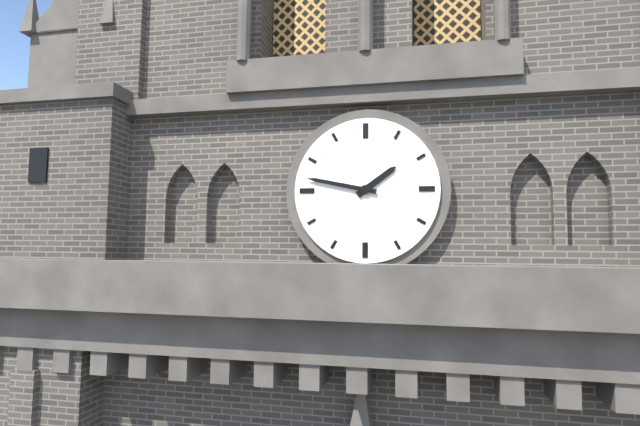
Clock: 1.47
